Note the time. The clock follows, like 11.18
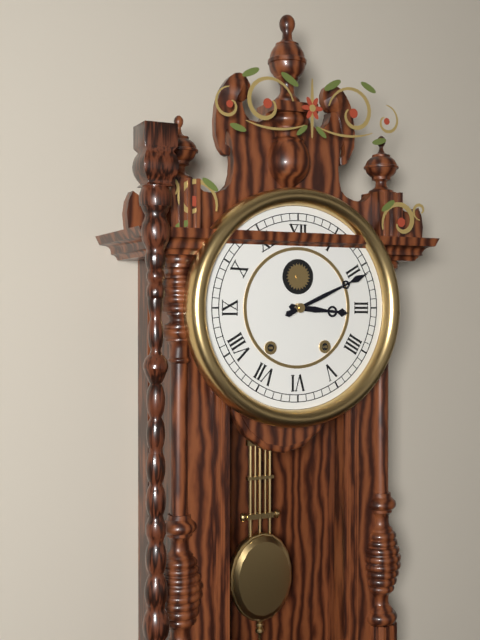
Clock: 3.11
